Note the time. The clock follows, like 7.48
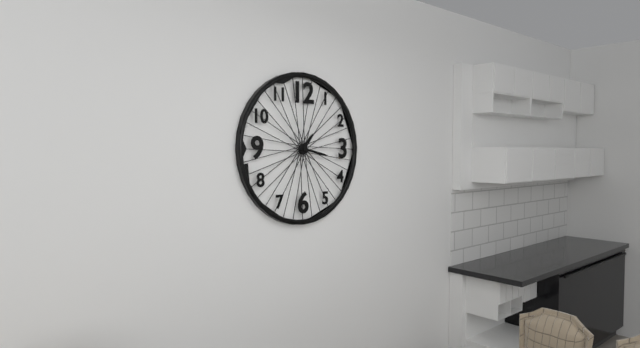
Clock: 1.17
